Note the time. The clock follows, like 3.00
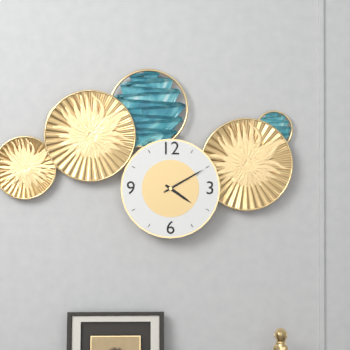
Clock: 4.10
